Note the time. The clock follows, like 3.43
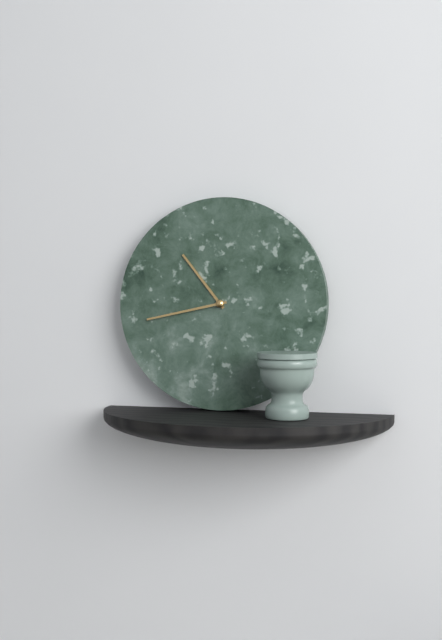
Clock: 10.43
